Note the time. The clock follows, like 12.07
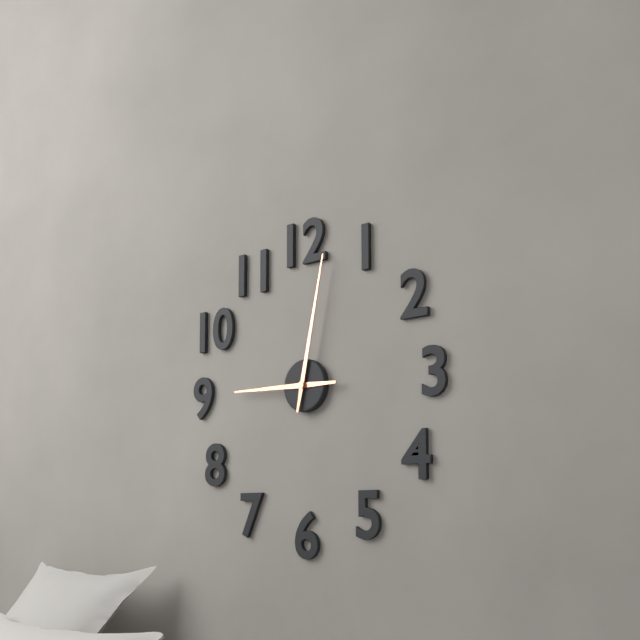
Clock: 9.02
